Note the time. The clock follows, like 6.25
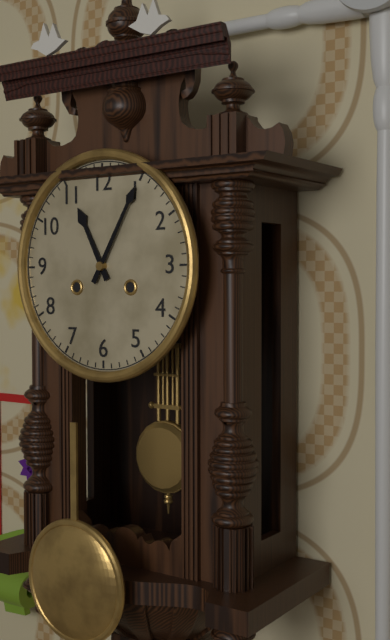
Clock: 11.05
